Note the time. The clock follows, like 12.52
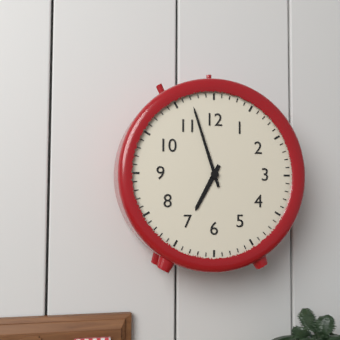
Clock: 6.57
